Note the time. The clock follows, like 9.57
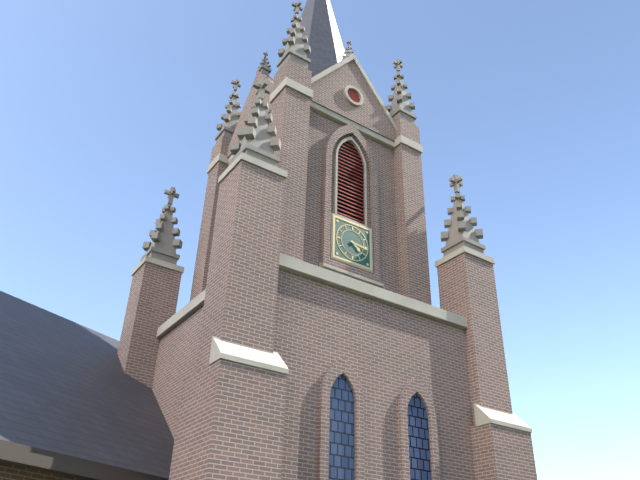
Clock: 4.16
